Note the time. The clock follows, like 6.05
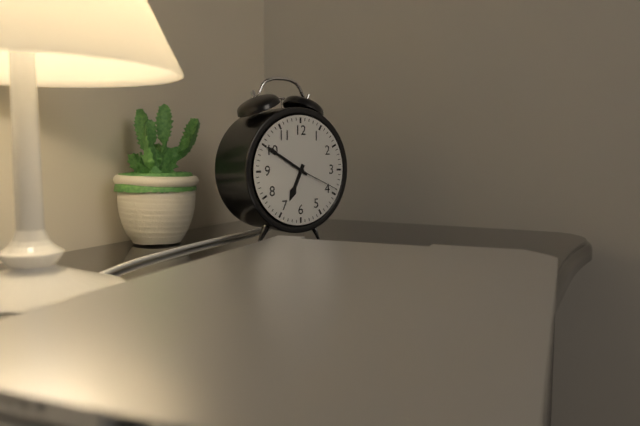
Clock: 6.50
